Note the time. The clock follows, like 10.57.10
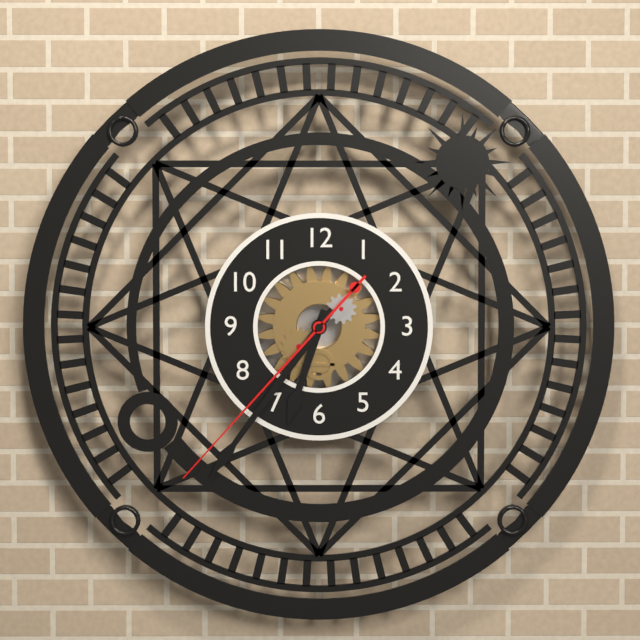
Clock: 6.36.37
